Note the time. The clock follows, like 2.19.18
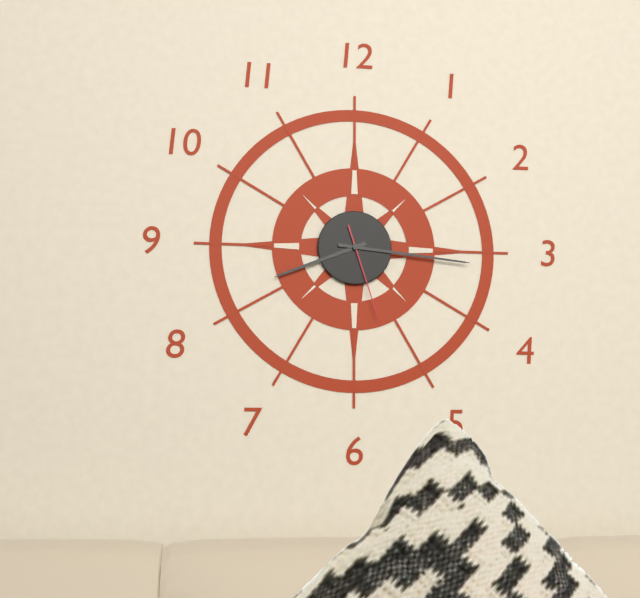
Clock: 8.16.27
